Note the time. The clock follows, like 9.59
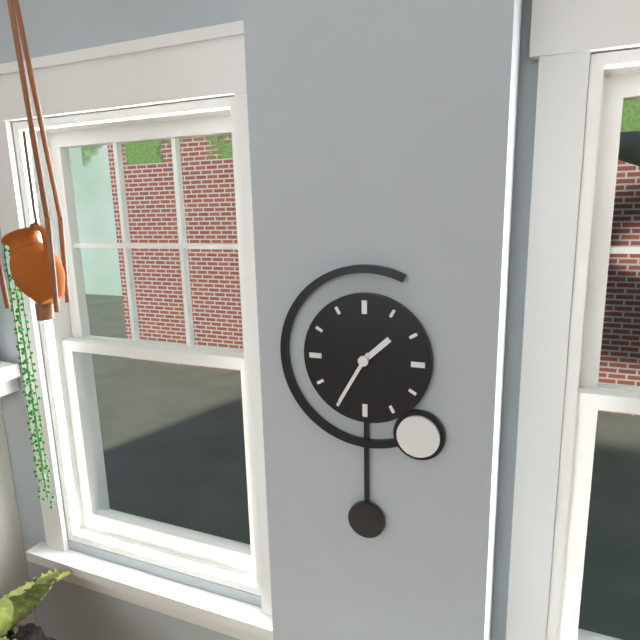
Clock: 1.35
